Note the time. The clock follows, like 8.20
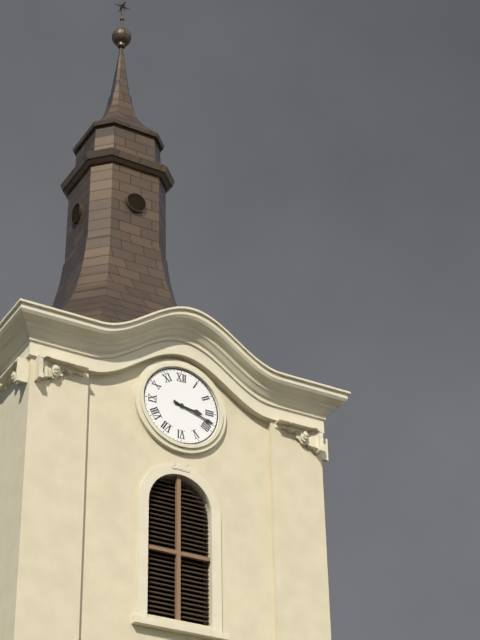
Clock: 3.18
